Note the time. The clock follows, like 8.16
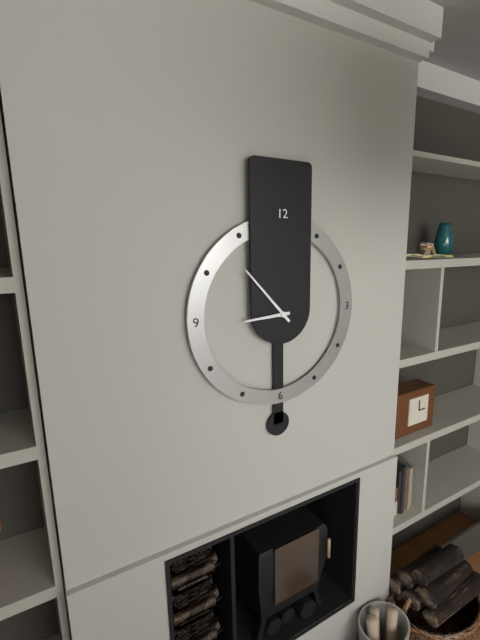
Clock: 8.53
